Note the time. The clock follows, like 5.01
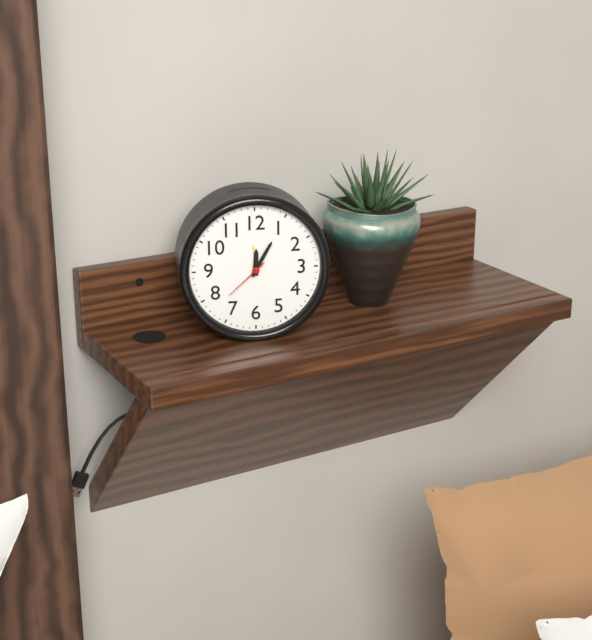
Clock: 12.05
